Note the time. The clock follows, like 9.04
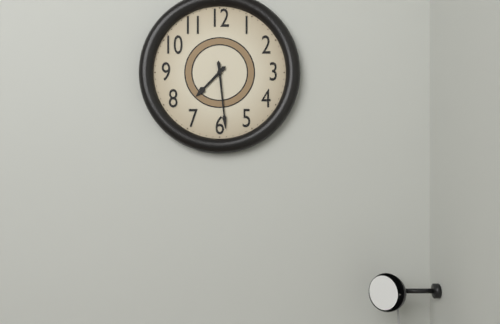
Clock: 7.29
